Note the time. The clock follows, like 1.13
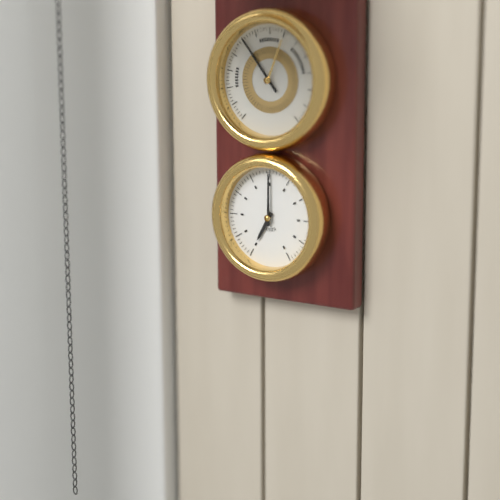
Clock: 7.00
